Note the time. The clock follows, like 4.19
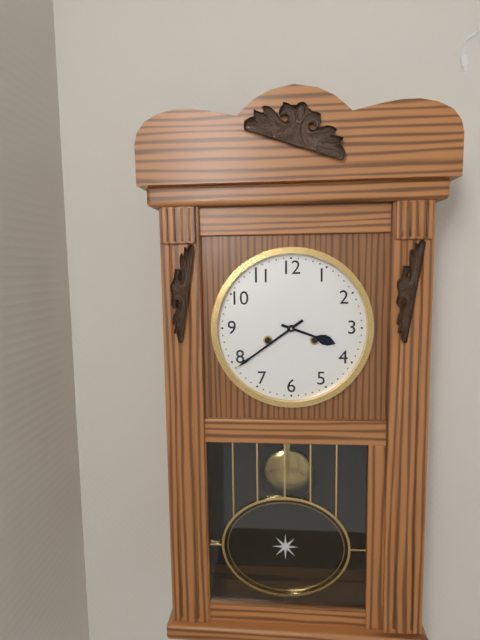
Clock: 3.39
